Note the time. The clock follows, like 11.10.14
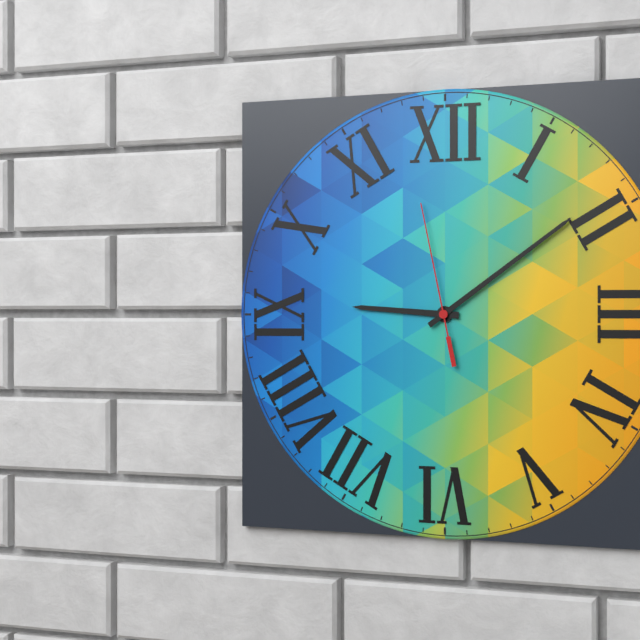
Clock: 9.09.58
